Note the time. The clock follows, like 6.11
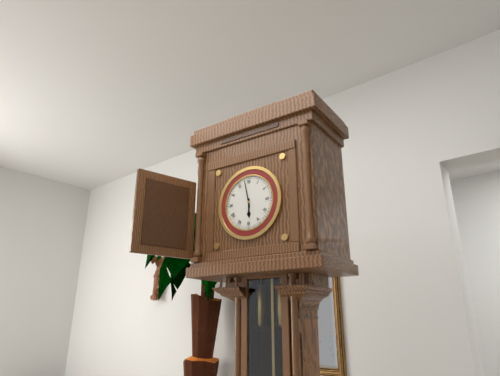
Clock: 5.58
